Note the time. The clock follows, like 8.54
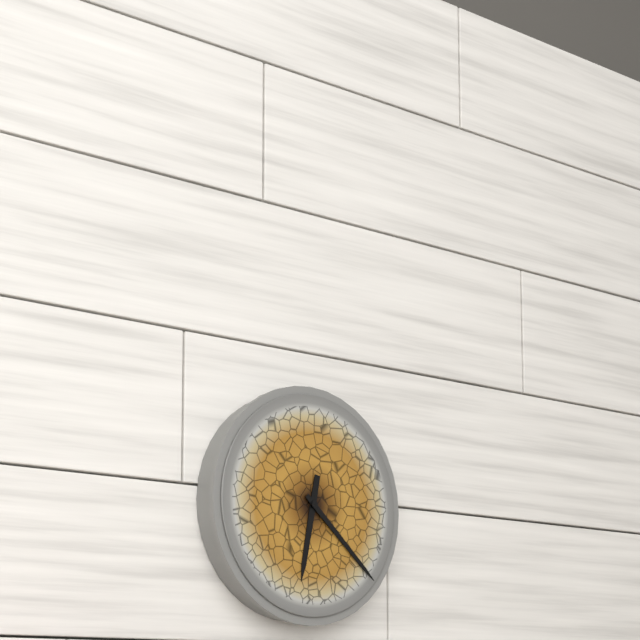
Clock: 6.22
